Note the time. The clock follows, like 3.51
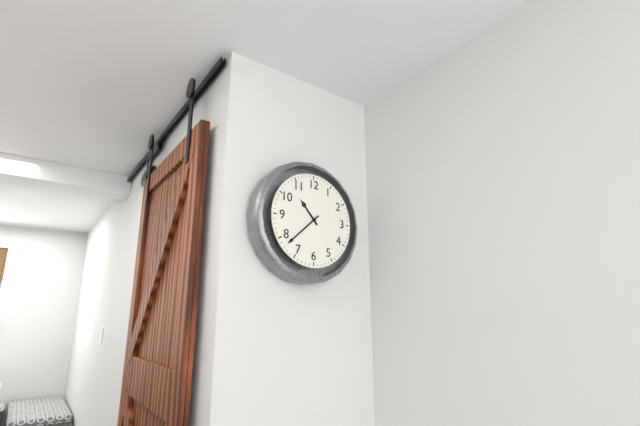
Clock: 10.38
